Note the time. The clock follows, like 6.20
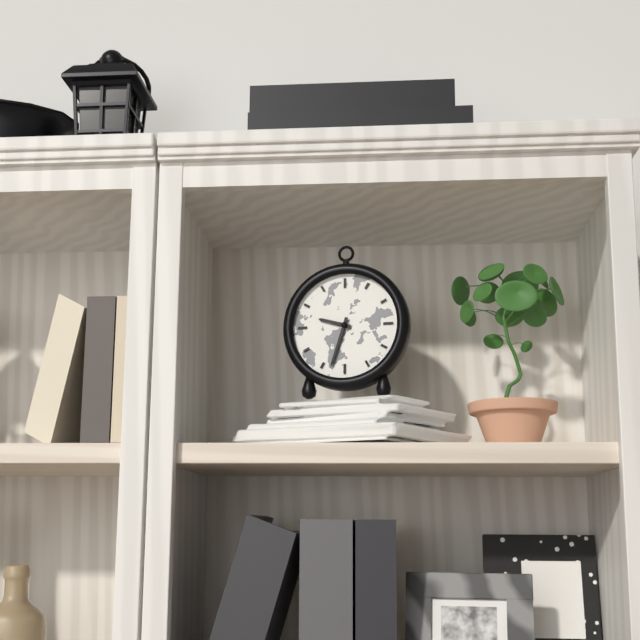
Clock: 9.33
